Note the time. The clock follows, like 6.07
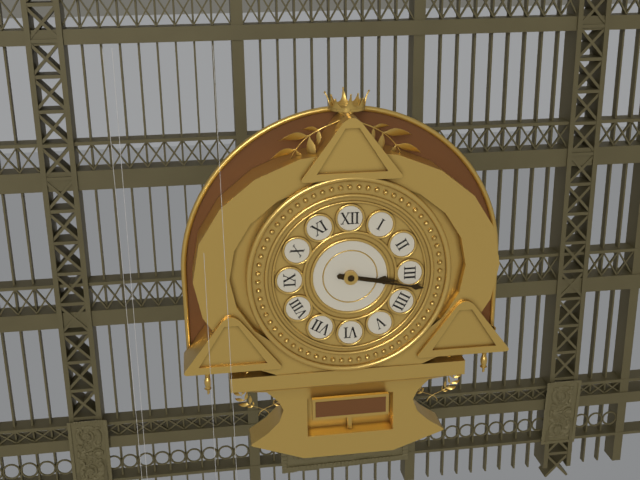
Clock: 3.17
